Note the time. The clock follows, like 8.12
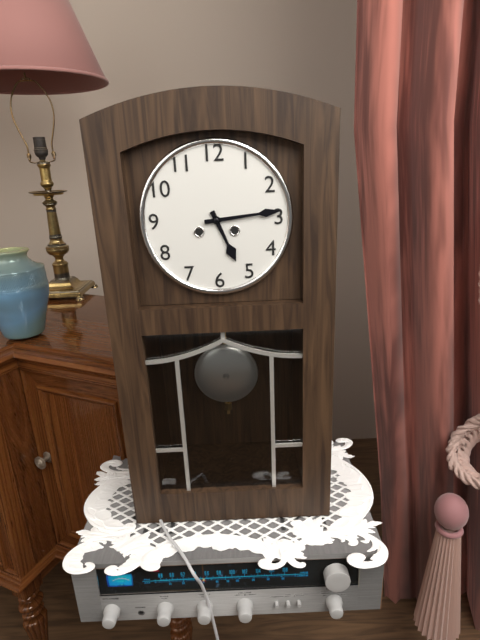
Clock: 5.14
